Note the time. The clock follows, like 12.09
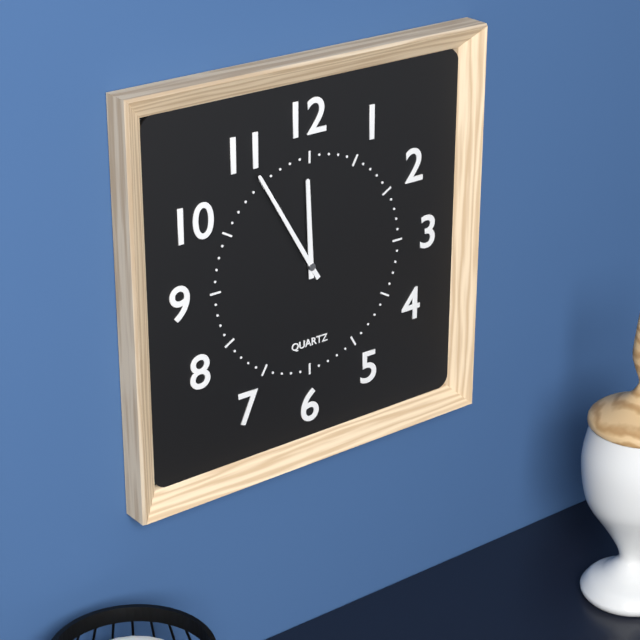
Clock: 11.55
